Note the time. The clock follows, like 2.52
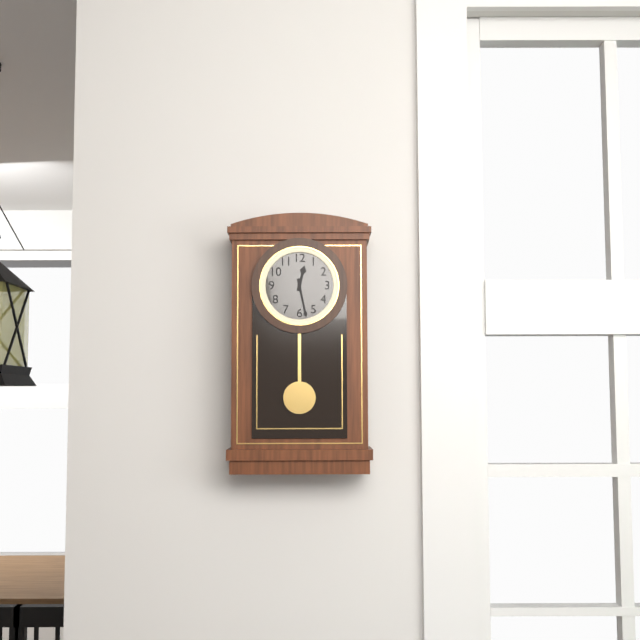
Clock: 12.28
